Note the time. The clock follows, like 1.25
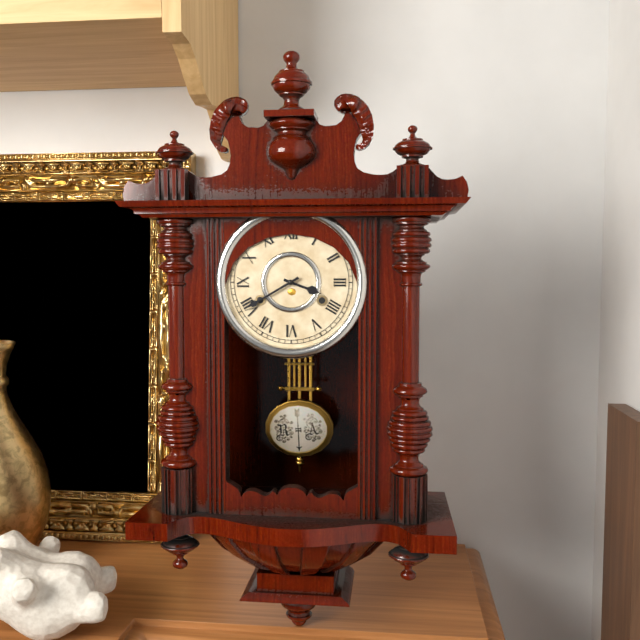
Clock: 3.40
